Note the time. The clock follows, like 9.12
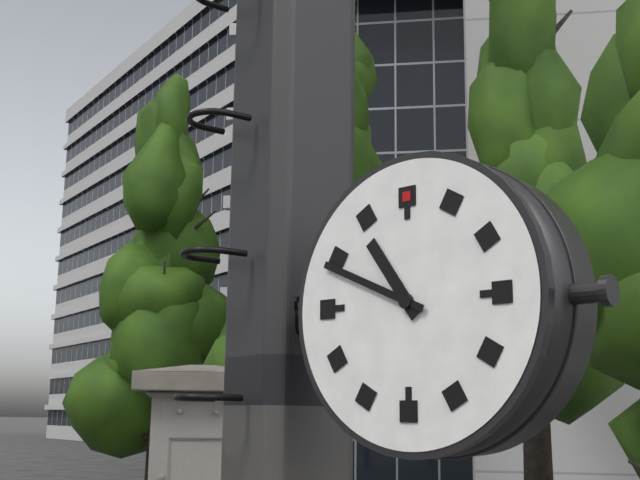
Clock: 10.49
